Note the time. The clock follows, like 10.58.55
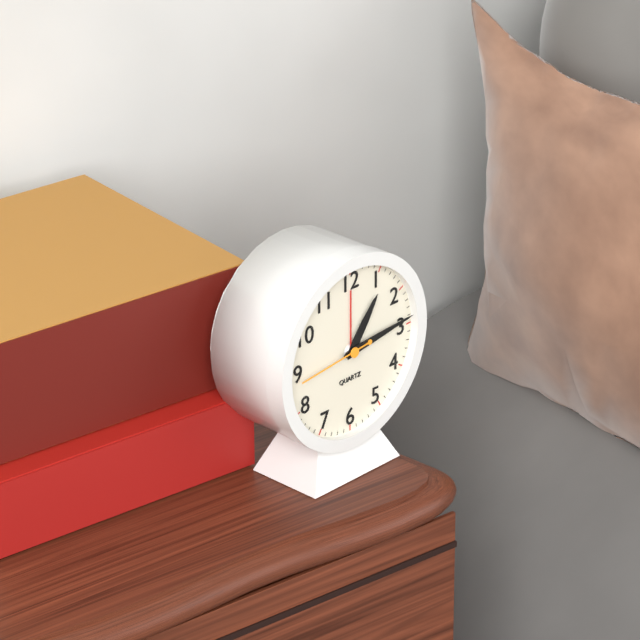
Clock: 1.14.44
